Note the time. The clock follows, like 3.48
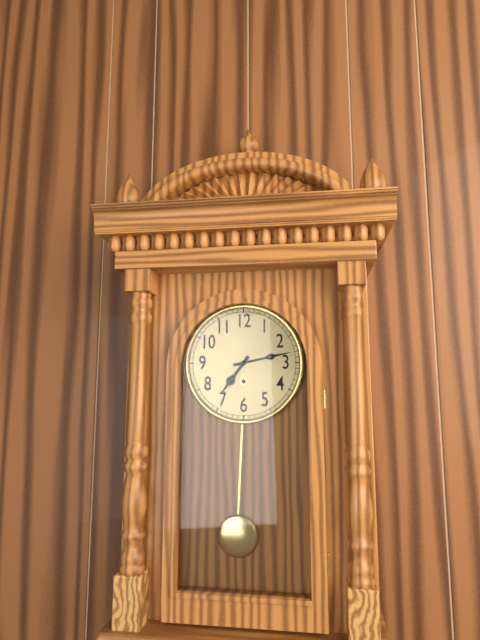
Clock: 7.13
